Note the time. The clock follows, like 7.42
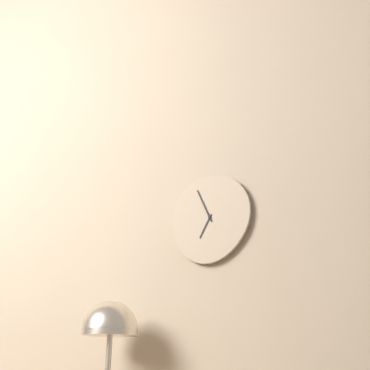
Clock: 6.56
